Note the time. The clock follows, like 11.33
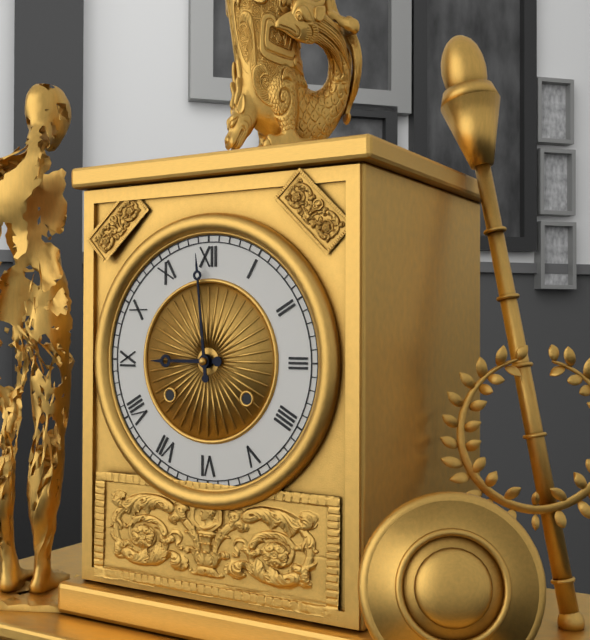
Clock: 8.59
